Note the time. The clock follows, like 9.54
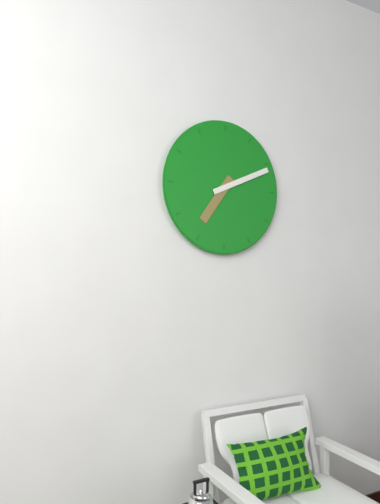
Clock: 7.11
